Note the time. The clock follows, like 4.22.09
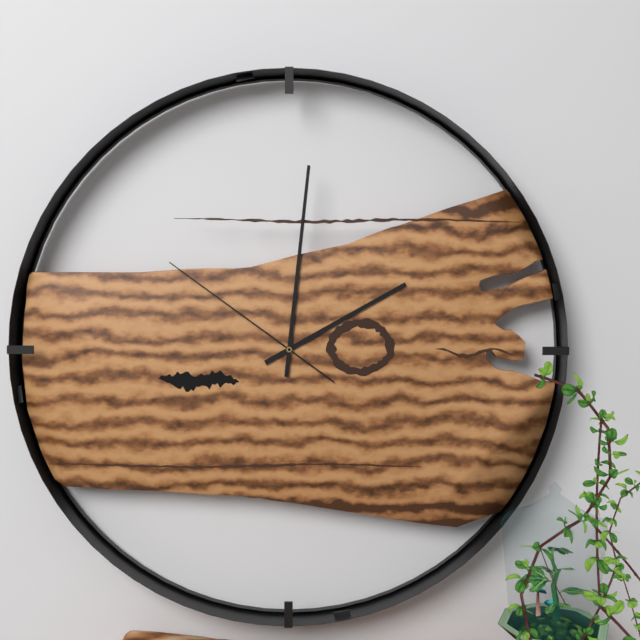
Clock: 2.01.51
